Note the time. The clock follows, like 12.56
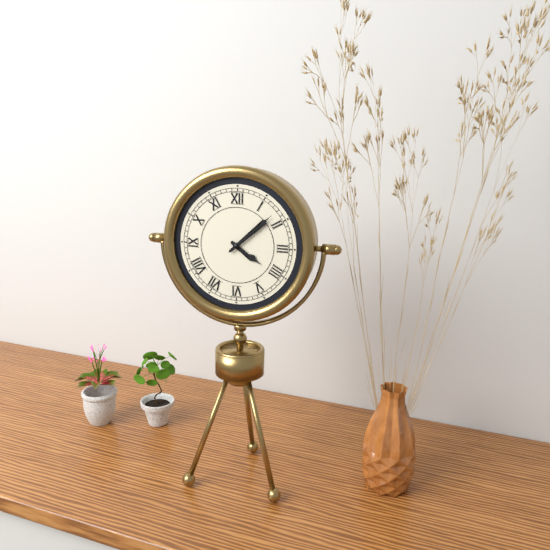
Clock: 4.08
